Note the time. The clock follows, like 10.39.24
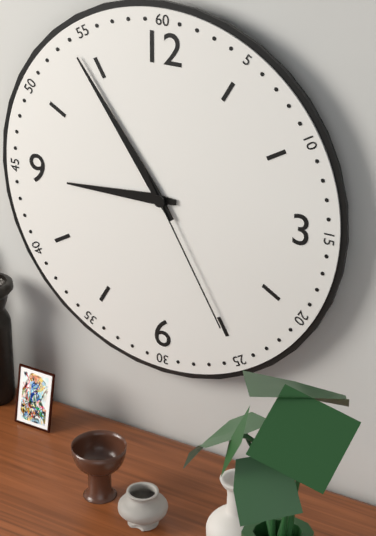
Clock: 8.54.25
